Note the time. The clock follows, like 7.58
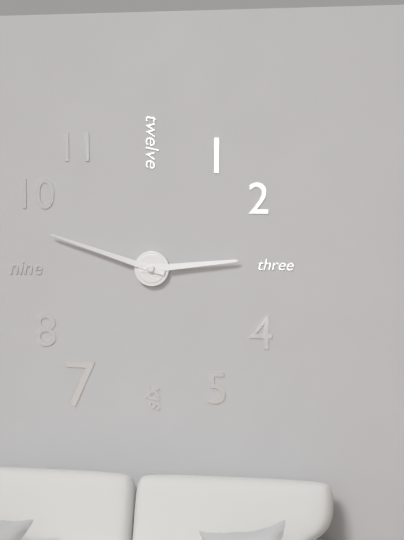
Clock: 2.48
